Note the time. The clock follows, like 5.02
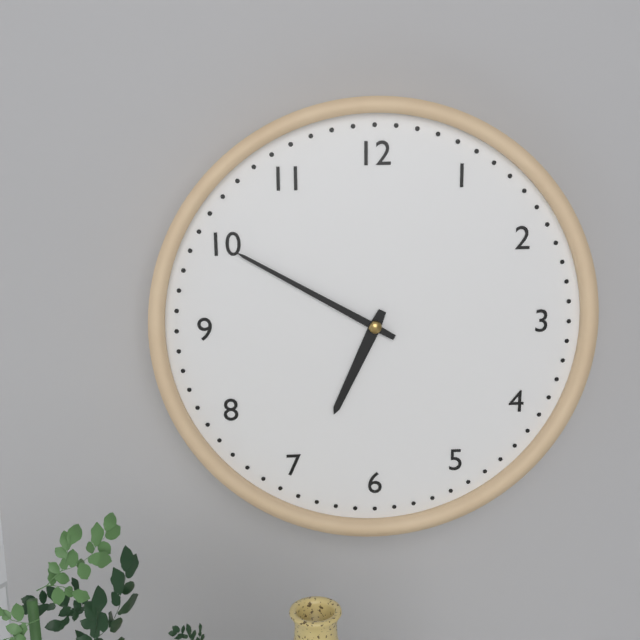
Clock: 6.50
